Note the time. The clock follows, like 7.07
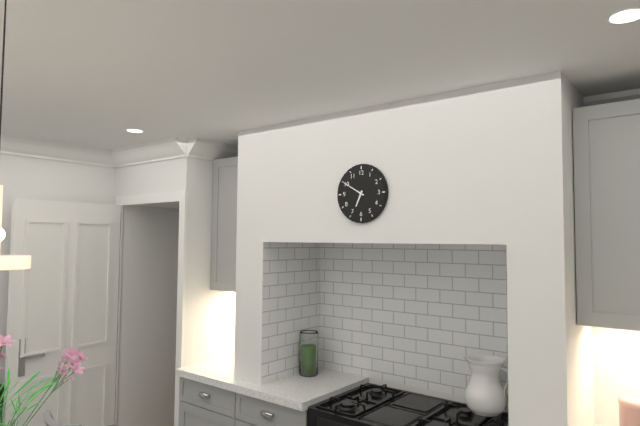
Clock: 6.50
